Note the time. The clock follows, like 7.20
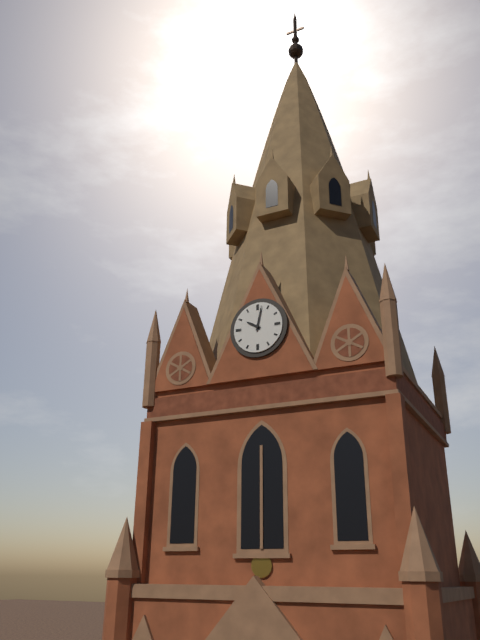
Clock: 10.02
